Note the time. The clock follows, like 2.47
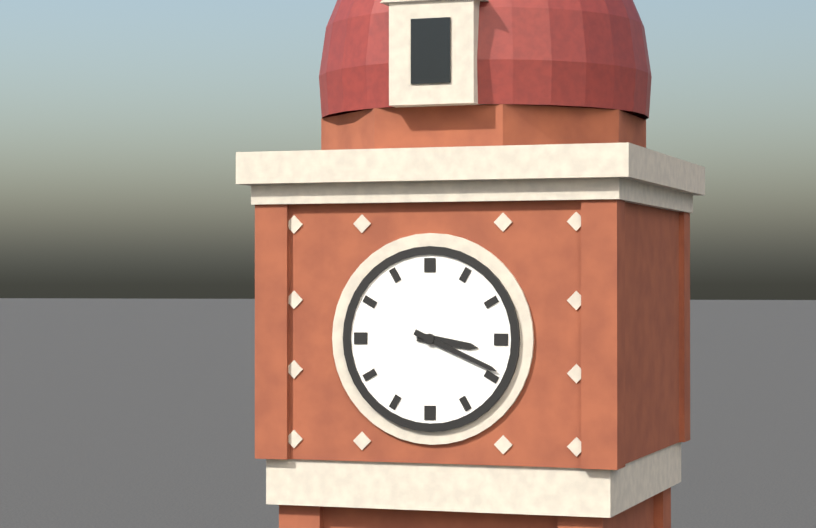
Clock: 3.19
